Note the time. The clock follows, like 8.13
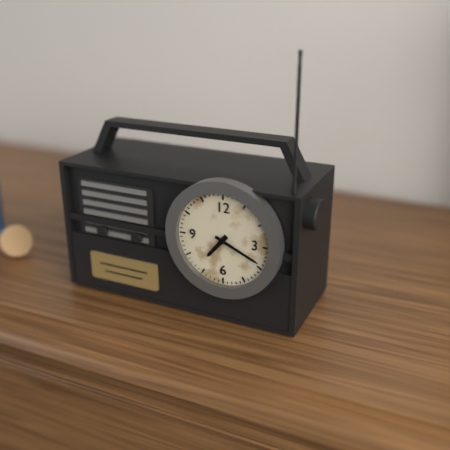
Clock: 7.19
